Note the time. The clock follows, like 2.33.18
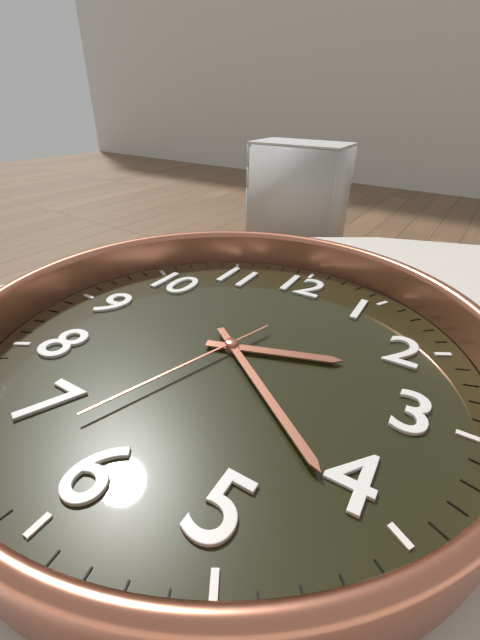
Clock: 2.21.33
